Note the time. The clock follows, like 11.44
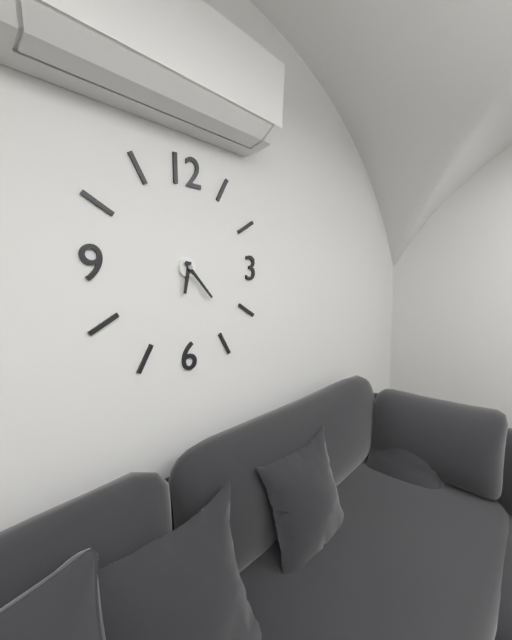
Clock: 6.23
